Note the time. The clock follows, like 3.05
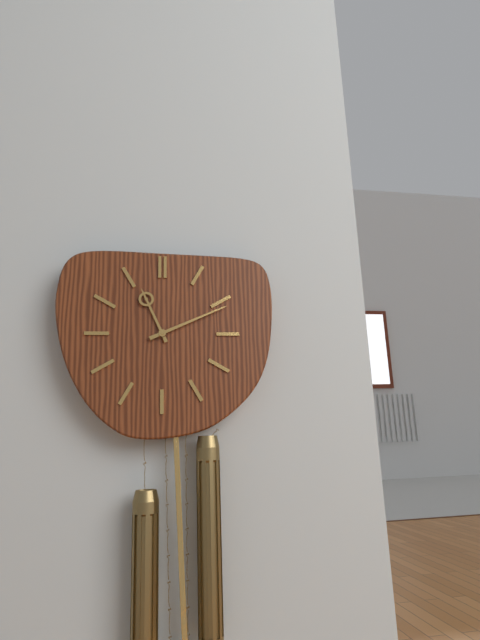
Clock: 11.11
